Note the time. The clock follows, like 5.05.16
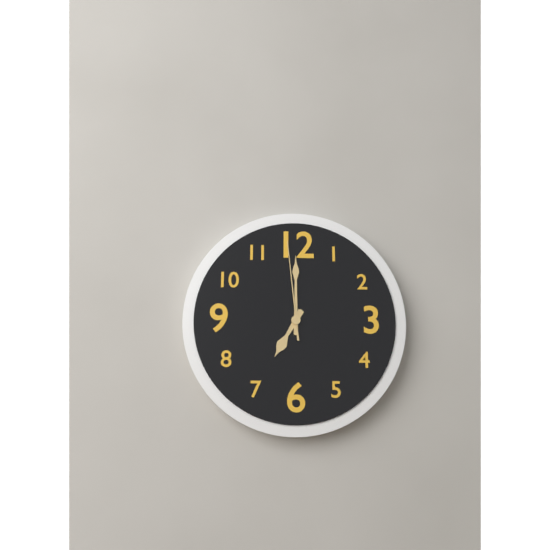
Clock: 7.00.59
